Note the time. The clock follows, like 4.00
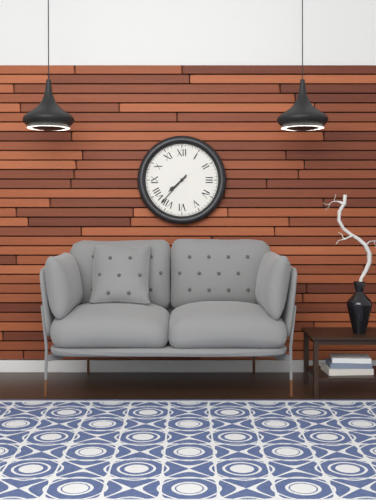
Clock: 7.37
